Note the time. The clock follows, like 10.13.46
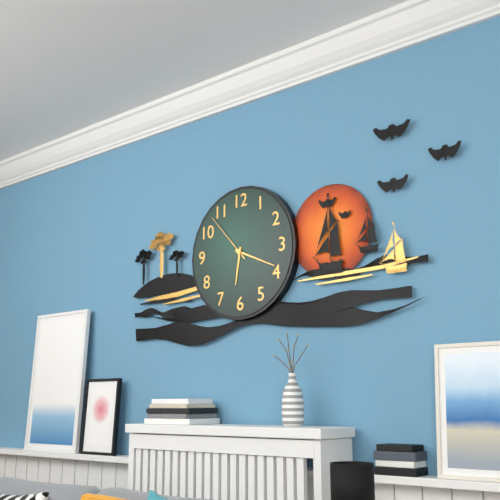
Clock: 6.19.53
